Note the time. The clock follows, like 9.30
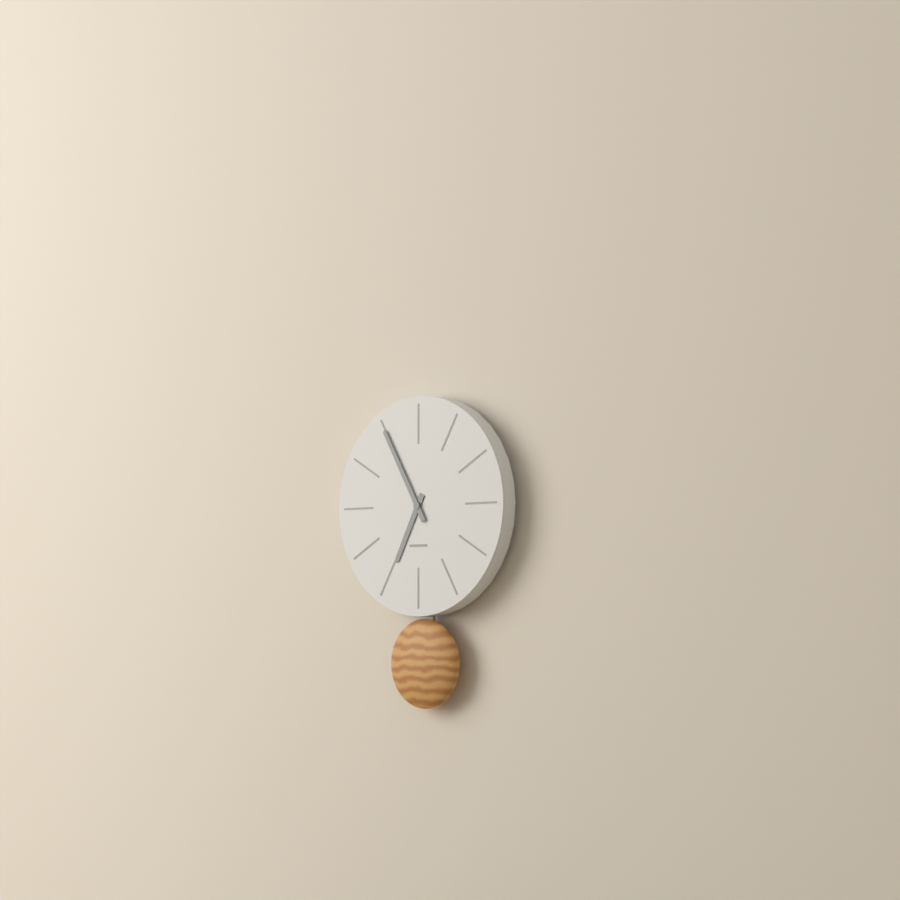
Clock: 6.55
